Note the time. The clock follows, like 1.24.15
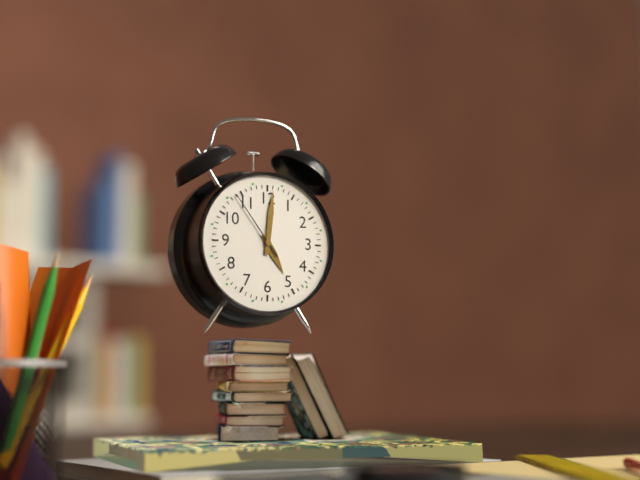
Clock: 5.01.54
